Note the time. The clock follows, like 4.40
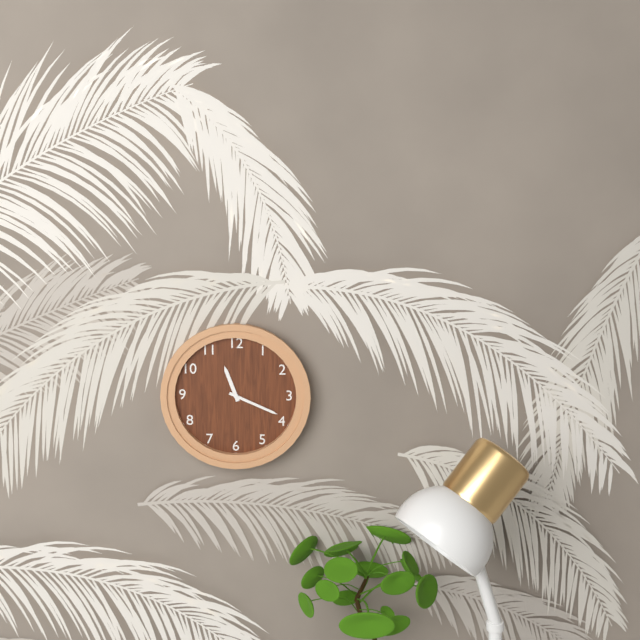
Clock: 11.19
